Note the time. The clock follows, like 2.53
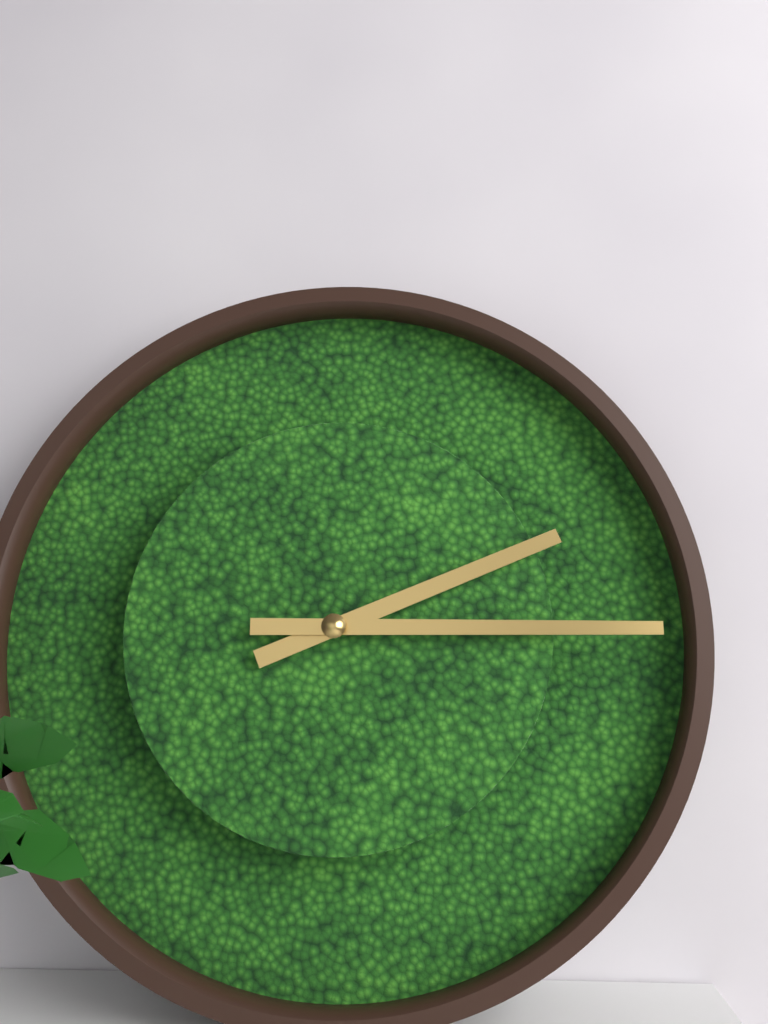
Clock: 2.15
